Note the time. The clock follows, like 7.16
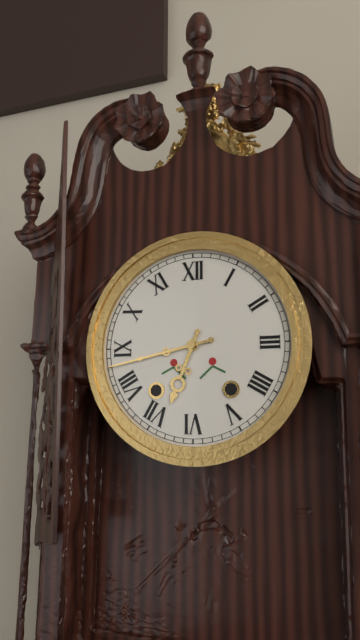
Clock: 6.43
